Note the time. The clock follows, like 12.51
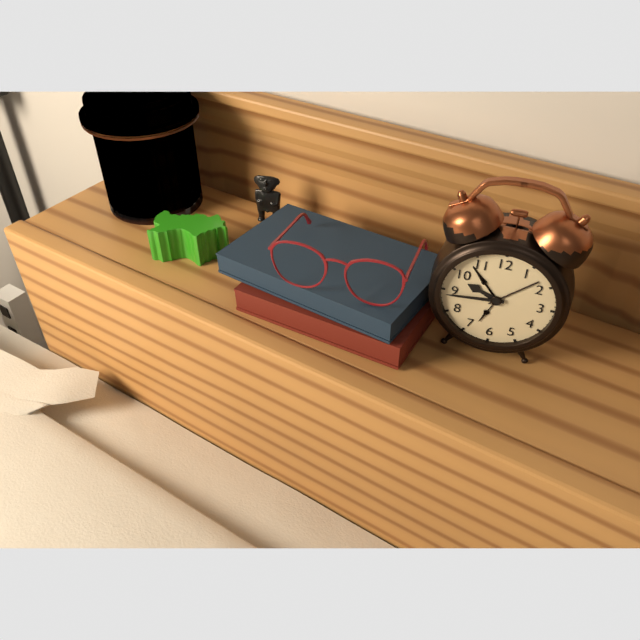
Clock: 9.44
